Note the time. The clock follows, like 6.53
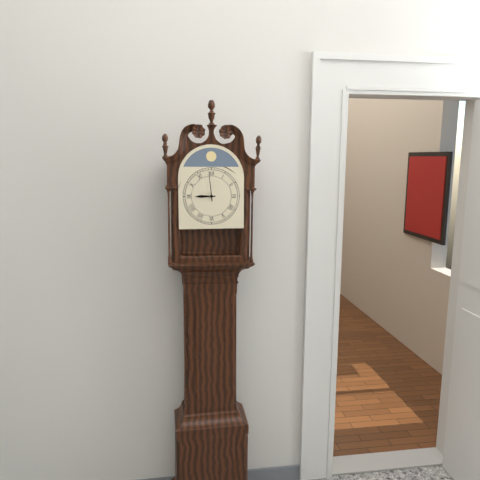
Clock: 8.59
